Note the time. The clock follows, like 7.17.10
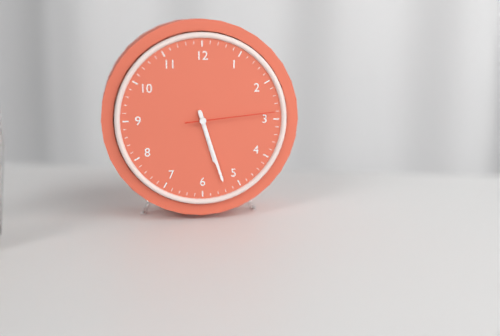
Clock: 5.27.14
